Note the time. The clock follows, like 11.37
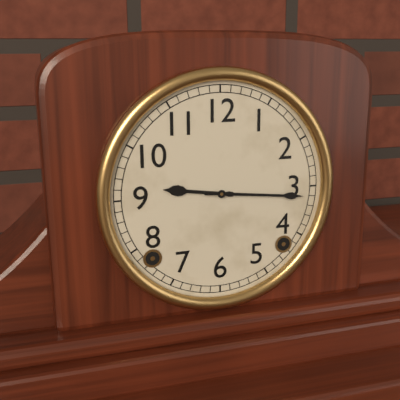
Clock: 9.16
